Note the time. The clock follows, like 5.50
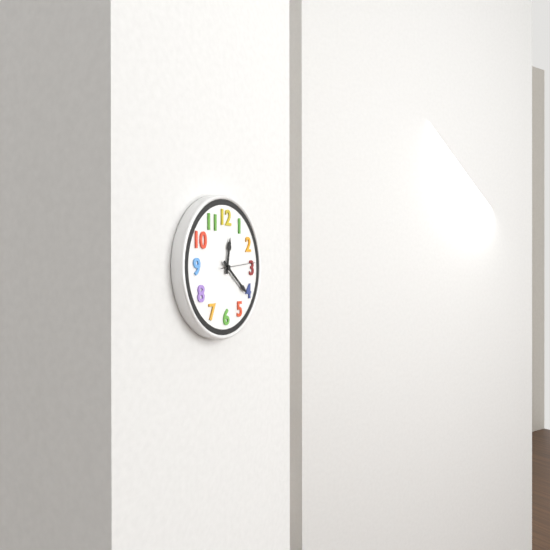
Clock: 12.21
